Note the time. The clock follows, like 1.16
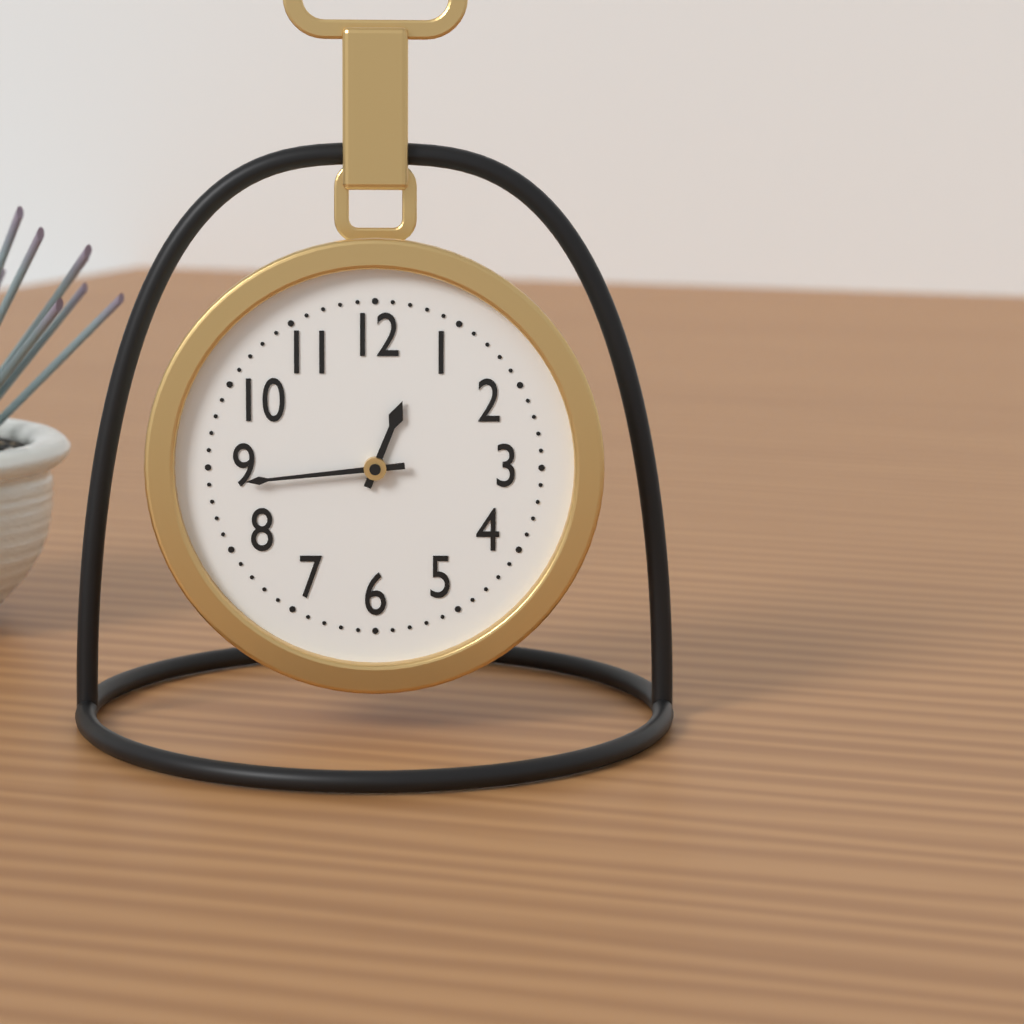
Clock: 12.44
